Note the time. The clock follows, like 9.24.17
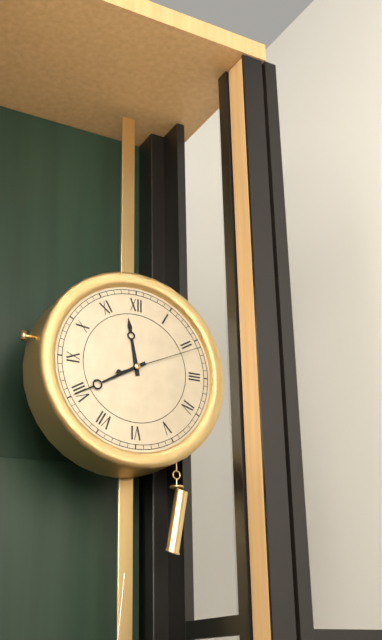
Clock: 11.40.11
